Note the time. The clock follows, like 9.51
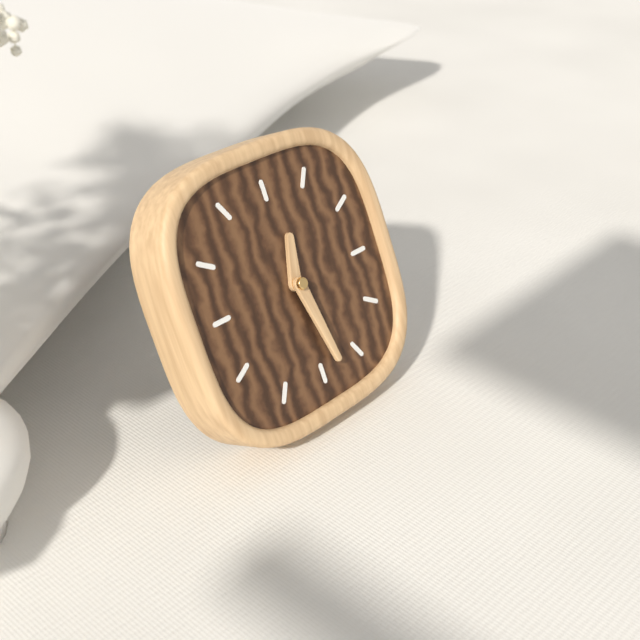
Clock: 12.28
